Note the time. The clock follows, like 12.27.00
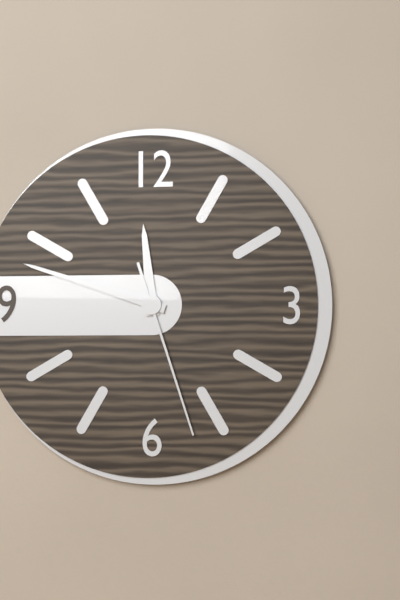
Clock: 11.48.27
